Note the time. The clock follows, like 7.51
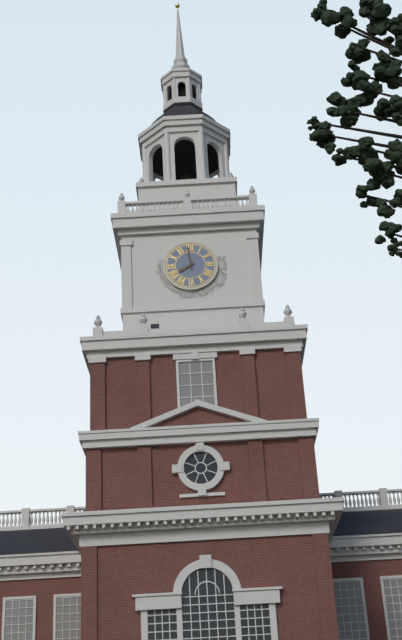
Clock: 7.59
